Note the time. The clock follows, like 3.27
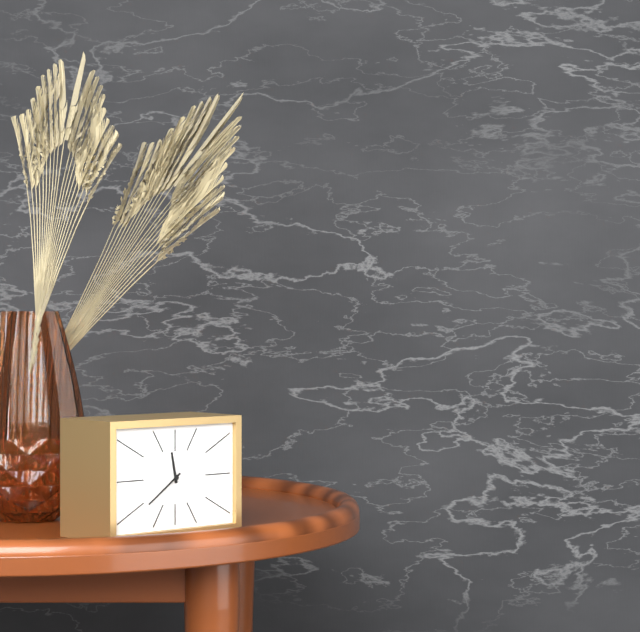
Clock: 11.39
